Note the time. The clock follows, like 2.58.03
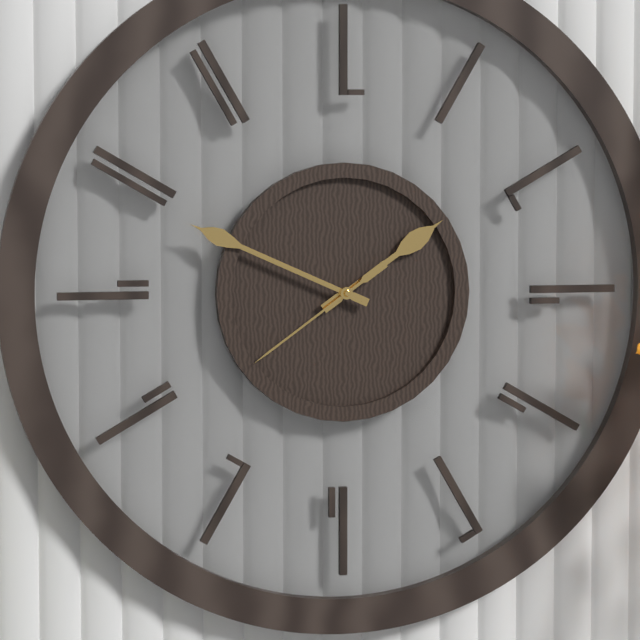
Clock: 1.49.39
